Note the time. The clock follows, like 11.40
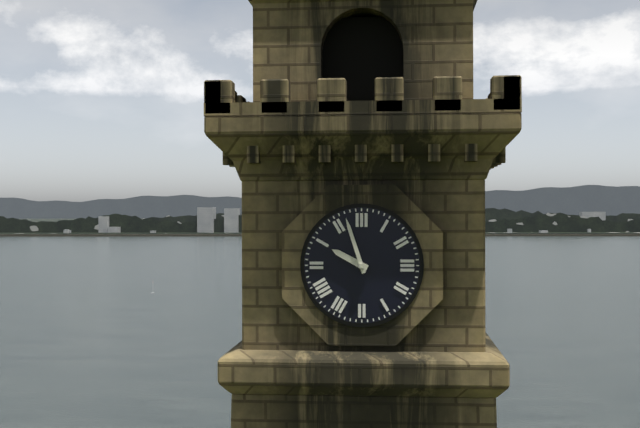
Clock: 9.57
